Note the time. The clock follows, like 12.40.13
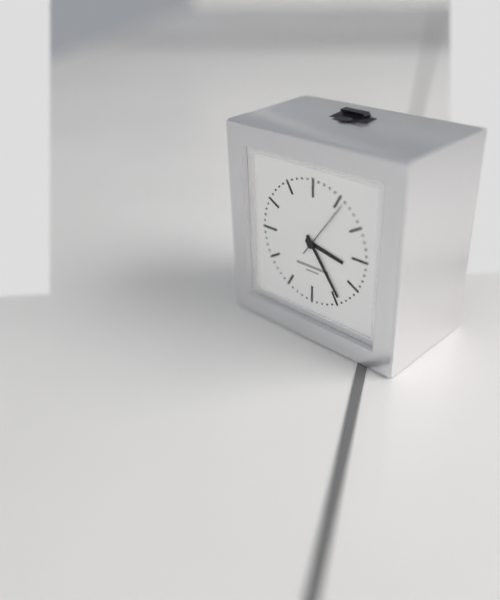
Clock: 3.24.06
